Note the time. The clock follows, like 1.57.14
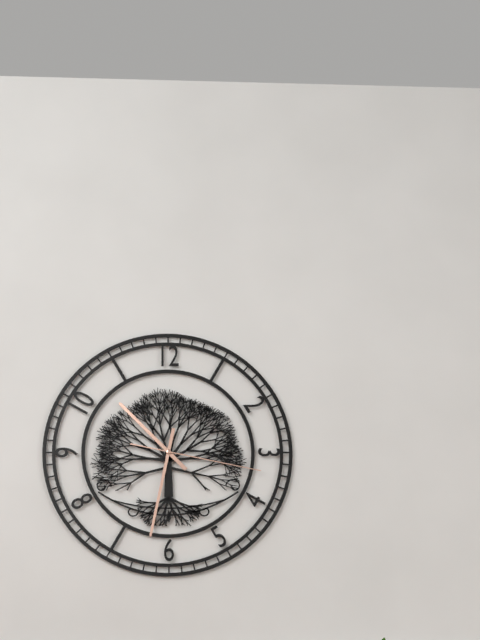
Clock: 10.32.17
